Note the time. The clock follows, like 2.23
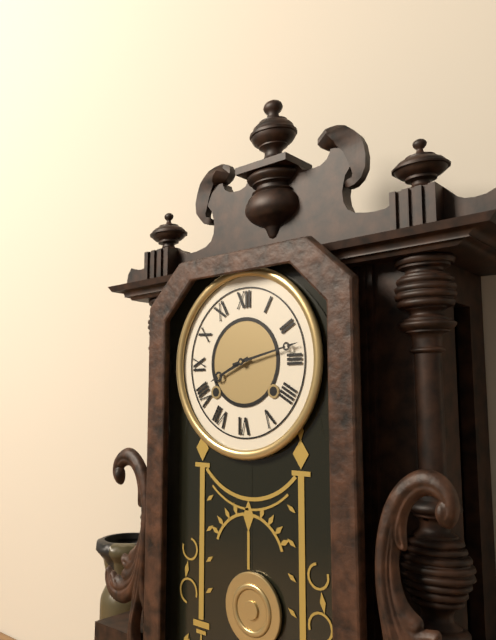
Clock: 8.13
